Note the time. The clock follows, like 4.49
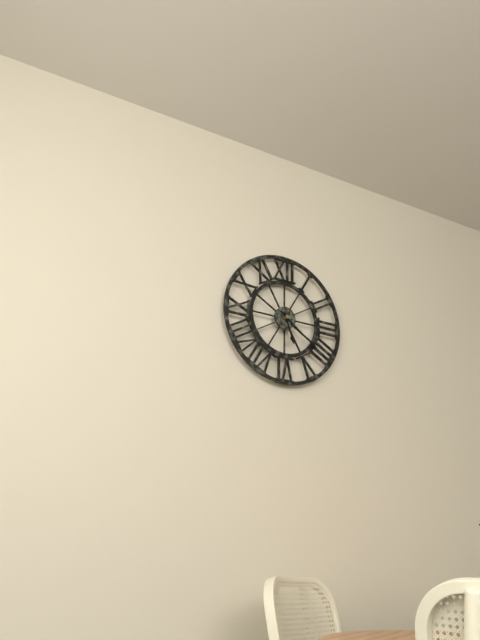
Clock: 5.21
